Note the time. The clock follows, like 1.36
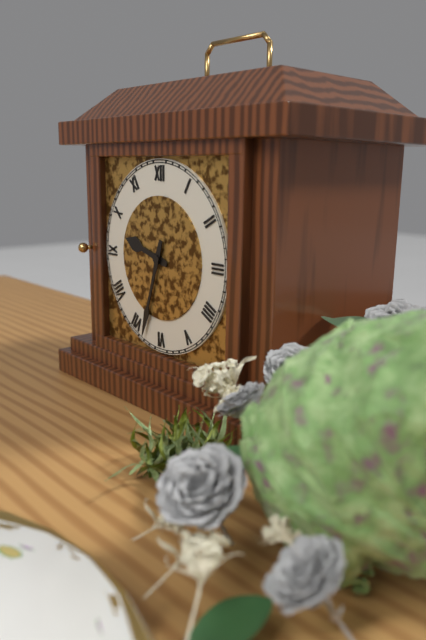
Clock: 9.33
